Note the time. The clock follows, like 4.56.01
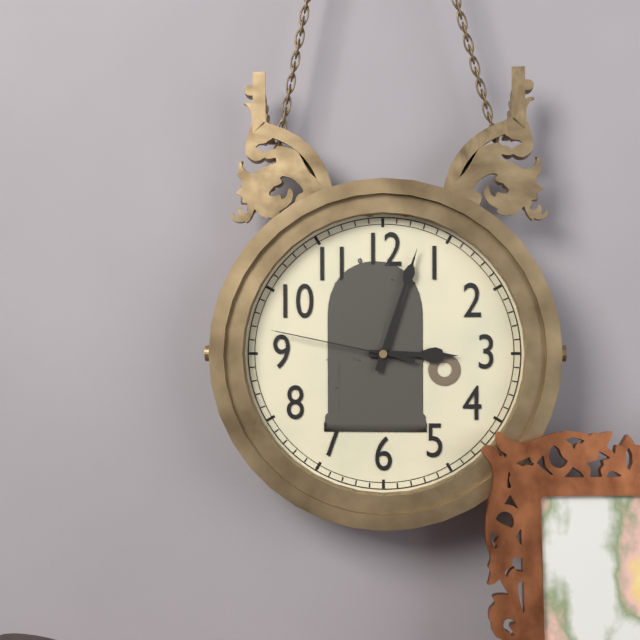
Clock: 3.03.47
